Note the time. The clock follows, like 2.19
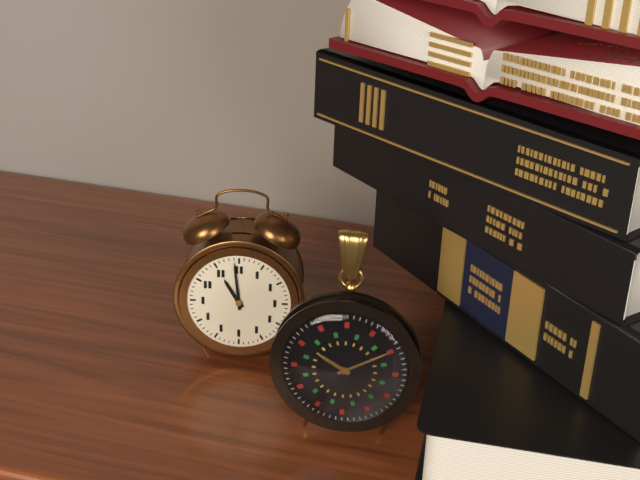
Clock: 10.59
